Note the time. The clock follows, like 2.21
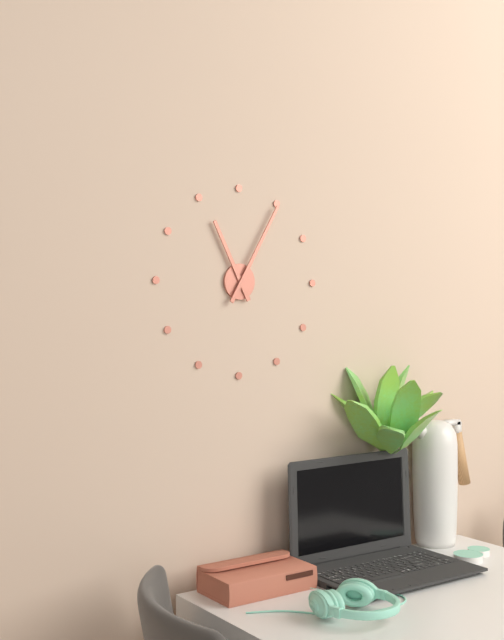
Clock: 11.05
